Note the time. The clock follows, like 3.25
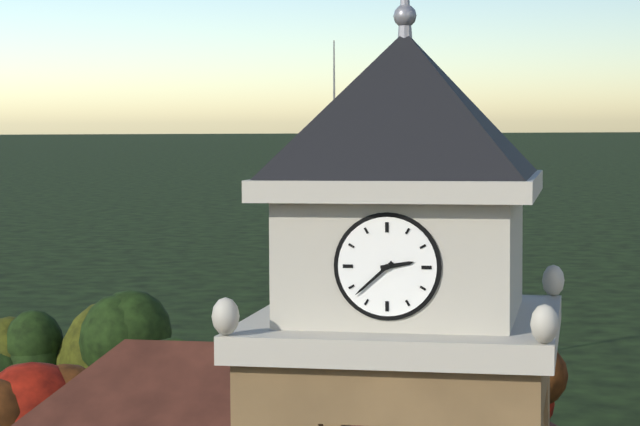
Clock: 2.38
